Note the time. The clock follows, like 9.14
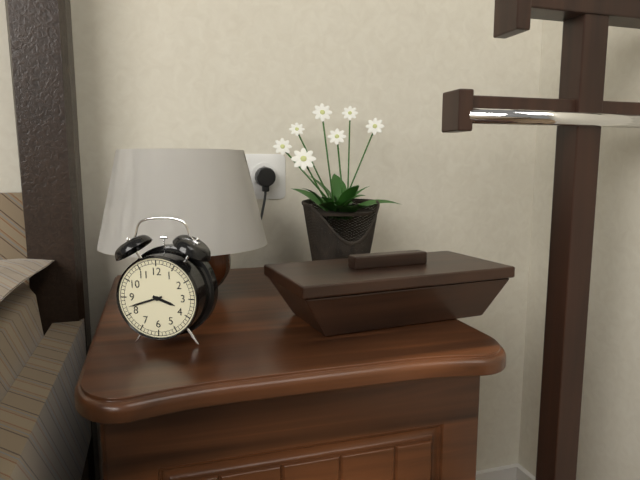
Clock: 3.42
